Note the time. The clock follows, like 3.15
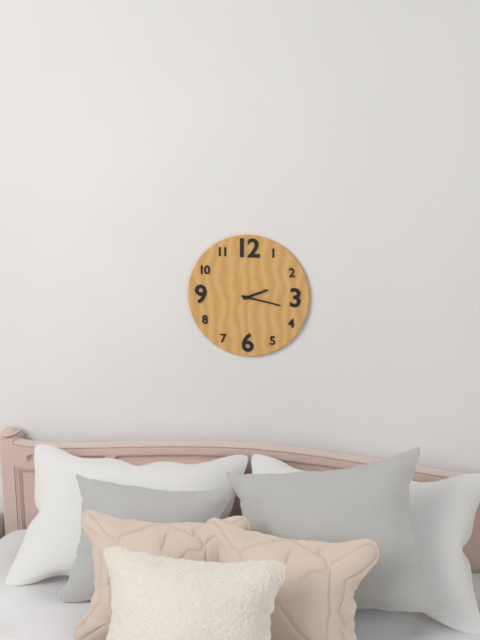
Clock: 2.17
